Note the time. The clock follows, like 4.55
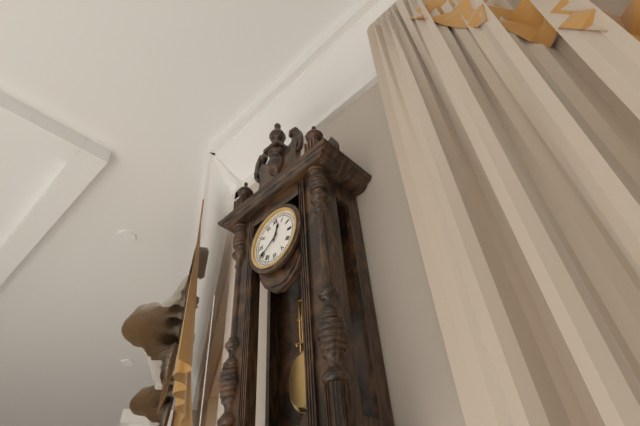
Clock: 12.39
